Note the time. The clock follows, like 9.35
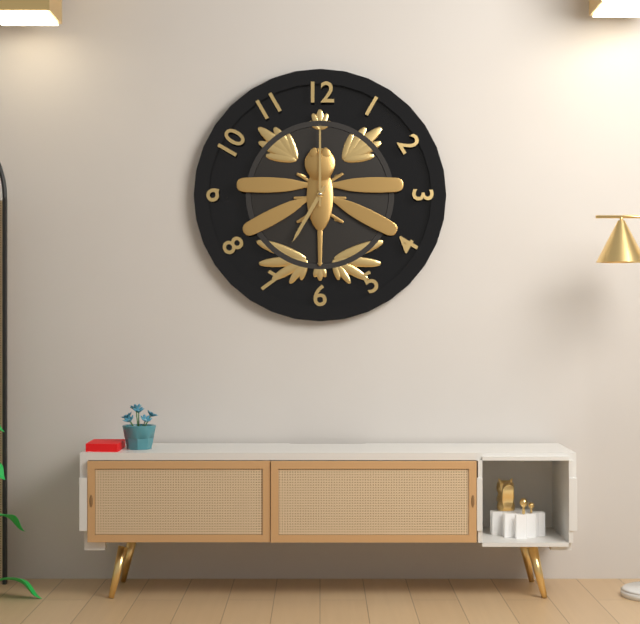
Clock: 7.00
